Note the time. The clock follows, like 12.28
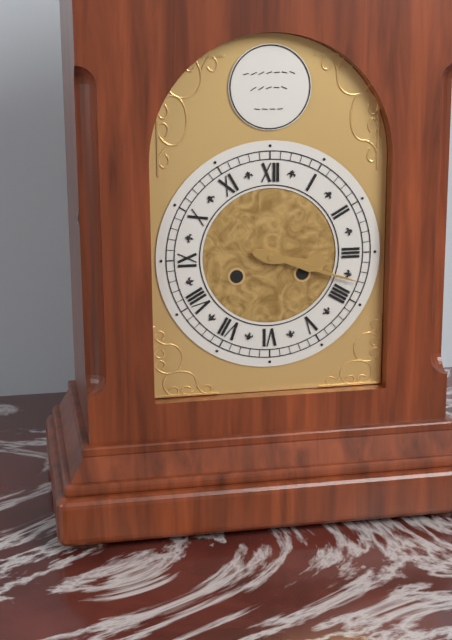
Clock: 3.18
